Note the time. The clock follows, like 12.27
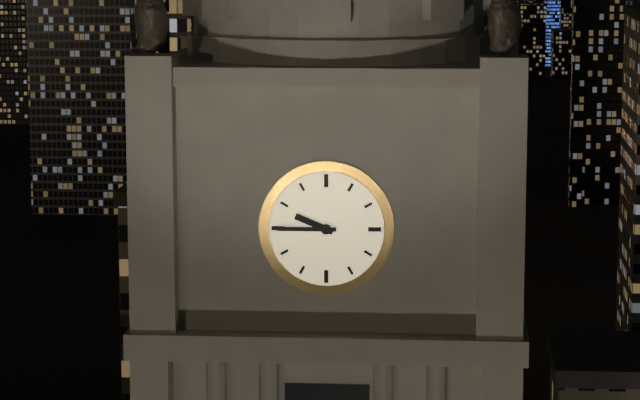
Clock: 9.45
